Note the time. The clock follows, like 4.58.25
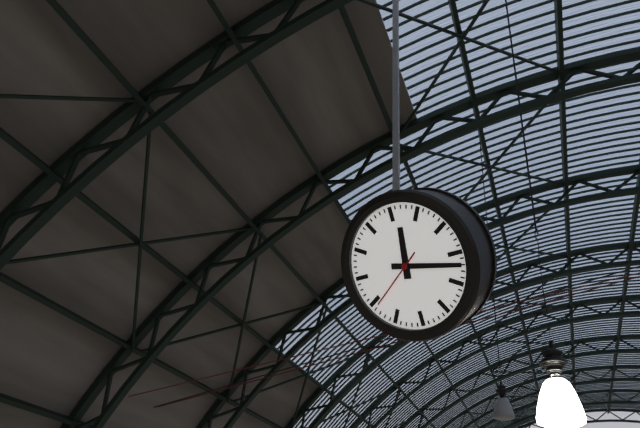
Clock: 12.17.39
